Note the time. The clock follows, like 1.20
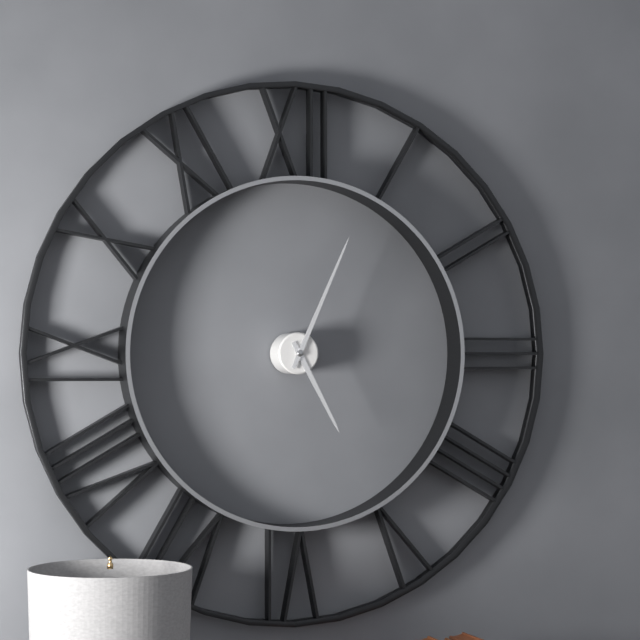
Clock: 5.04
